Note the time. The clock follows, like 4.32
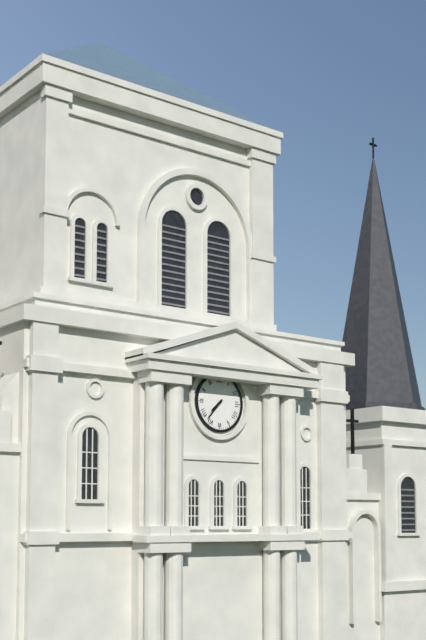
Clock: 7.37
